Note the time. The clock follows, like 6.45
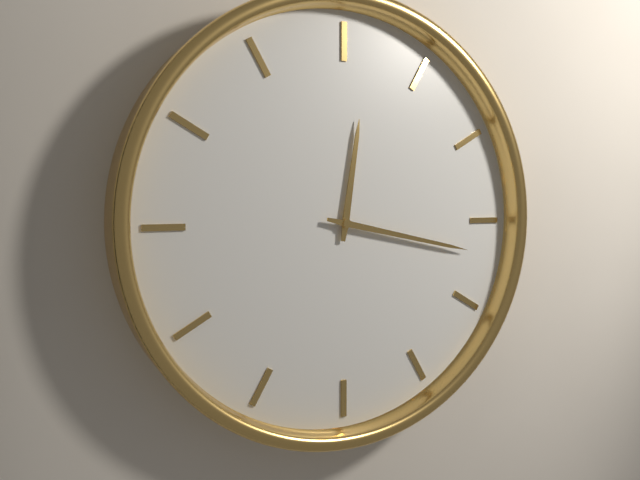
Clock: 12.17
